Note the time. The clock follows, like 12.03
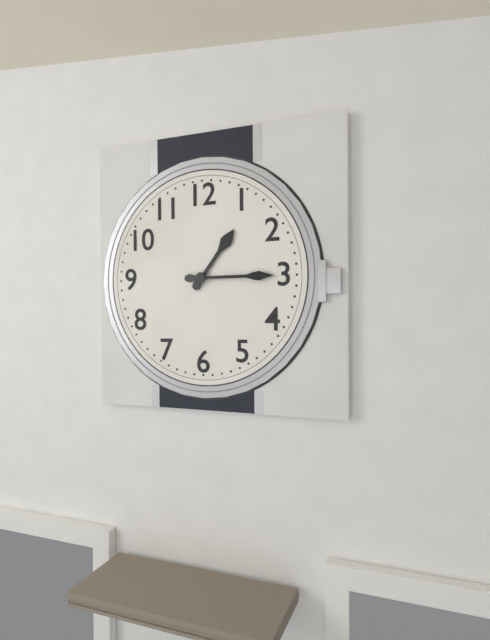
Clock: 1.15
